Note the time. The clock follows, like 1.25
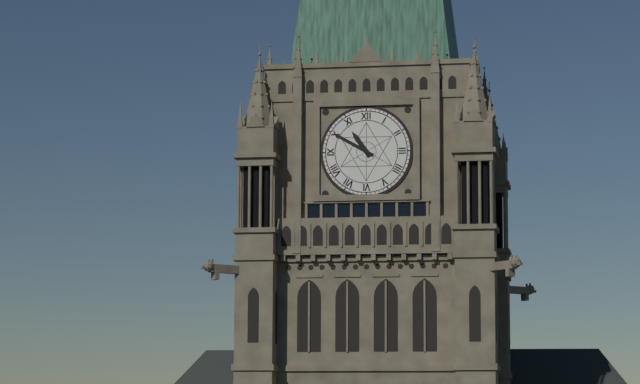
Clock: 10.50
